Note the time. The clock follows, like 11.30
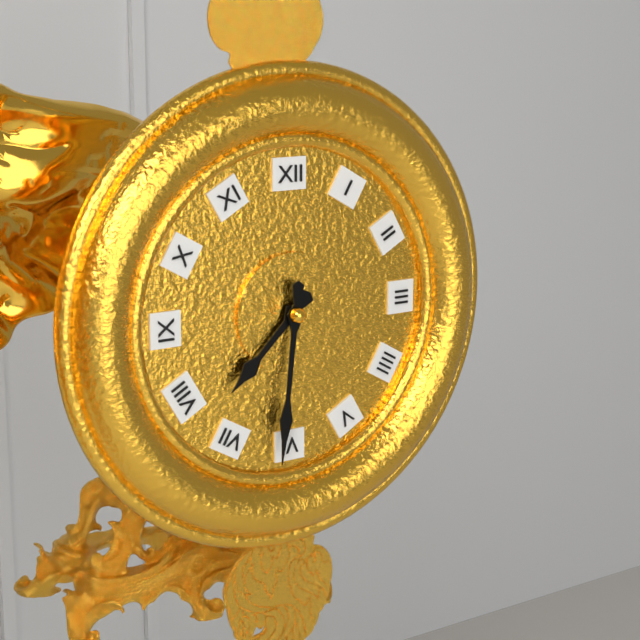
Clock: 7.31
